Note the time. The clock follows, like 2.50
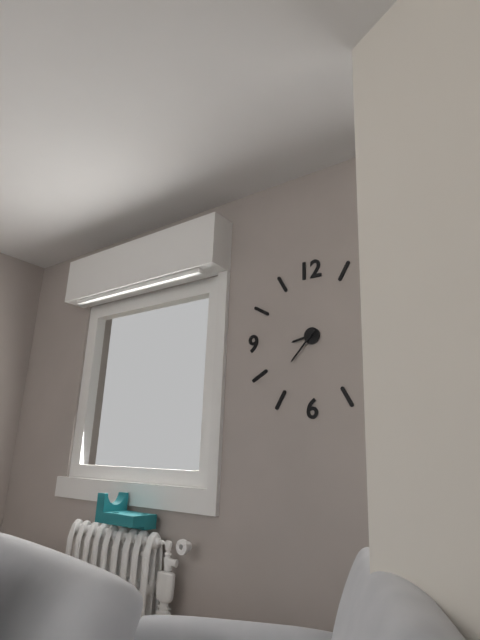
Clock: 8.37
